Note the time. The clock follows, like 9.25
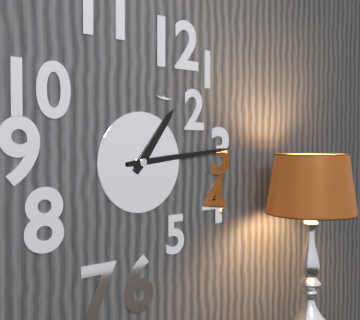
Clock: 1.14
